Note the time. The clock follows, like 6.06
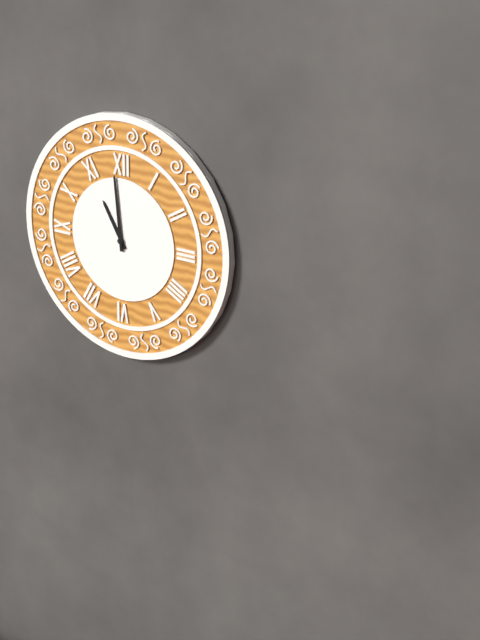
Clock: 10.59
